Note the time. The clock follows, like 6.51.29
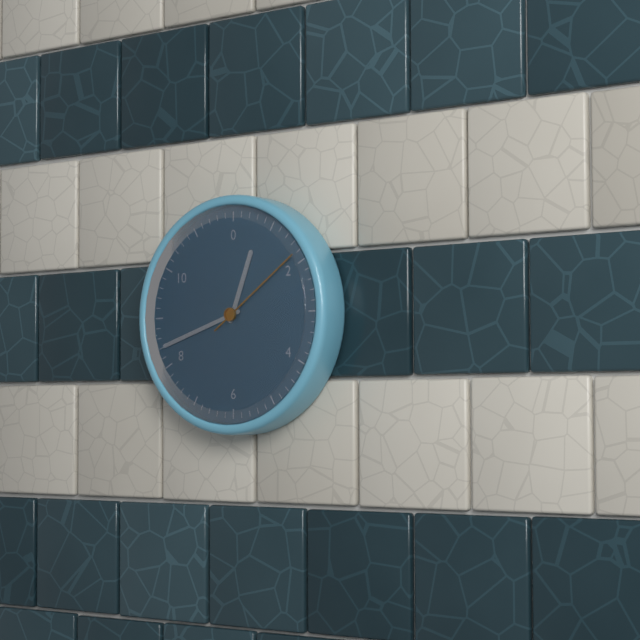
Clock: 12.42.09
